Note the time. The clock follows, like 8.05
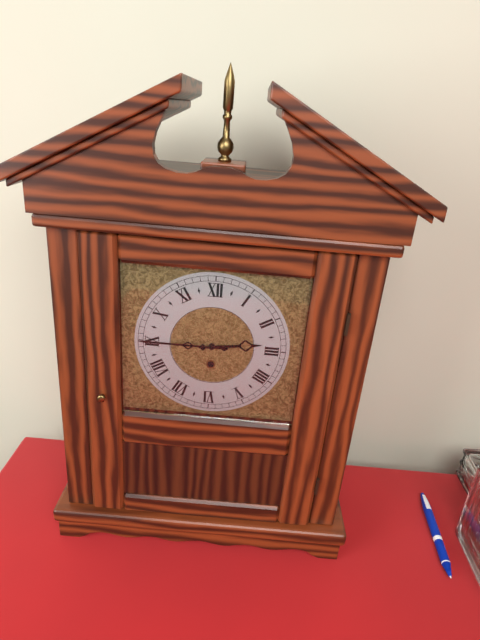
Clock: 2.45
